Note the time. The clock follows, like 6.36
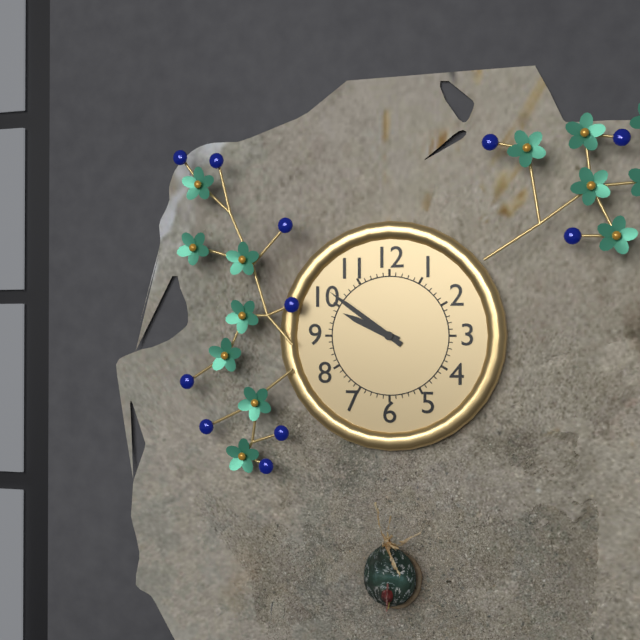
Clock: 9.51
